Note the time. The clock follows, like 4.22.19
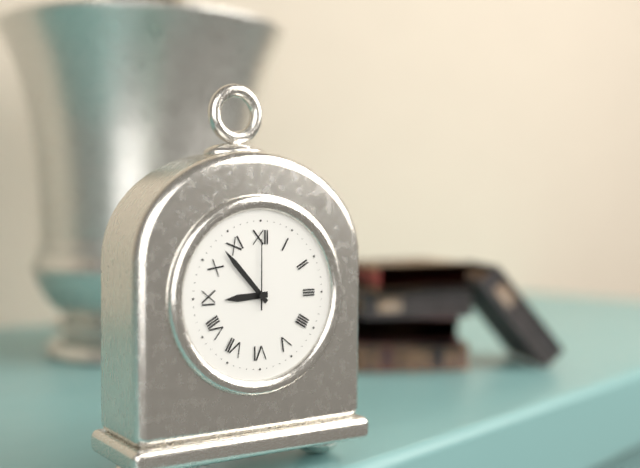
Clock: 8.53.00
